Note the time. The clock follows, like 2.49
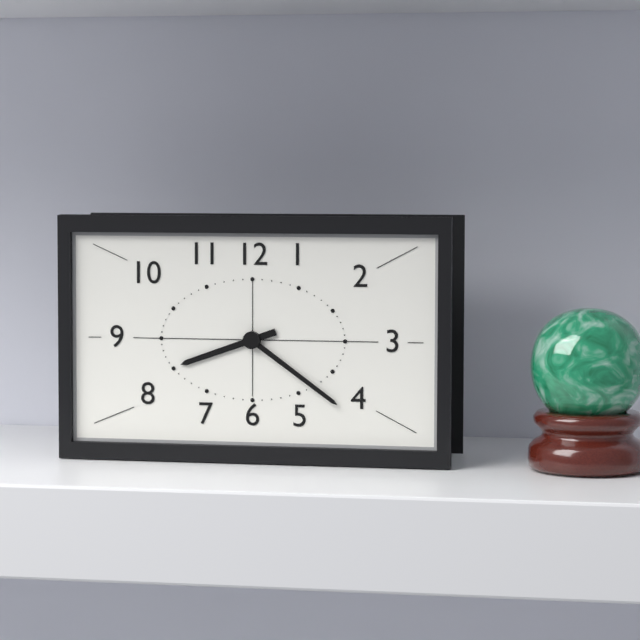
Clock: 8.21
